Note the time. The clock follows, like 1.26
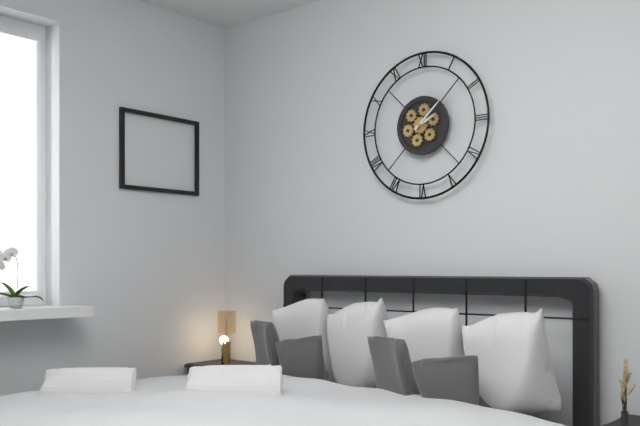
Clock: 2.08
